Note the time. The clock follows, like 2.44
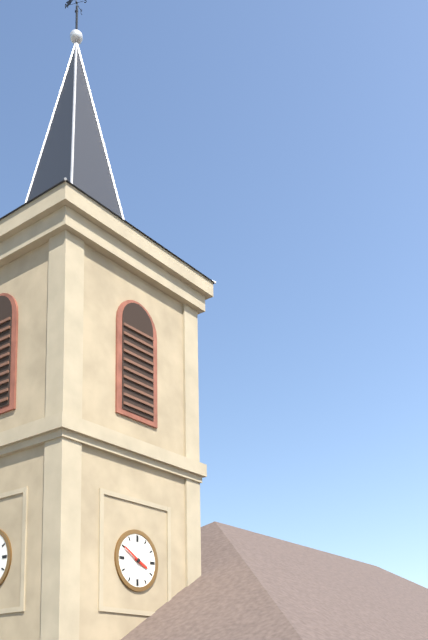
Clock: 3.50
